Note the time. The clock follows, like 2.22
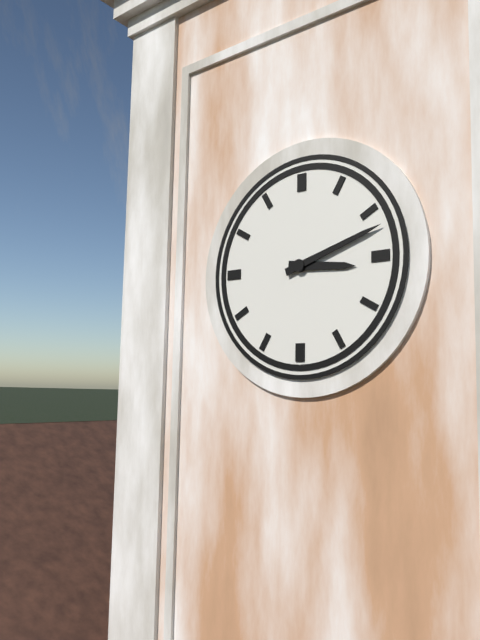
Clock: 3.12
